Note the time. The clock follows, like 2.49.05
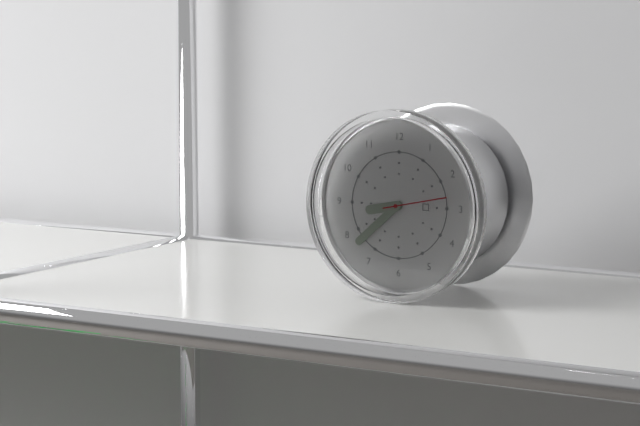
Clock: 8.38.13
